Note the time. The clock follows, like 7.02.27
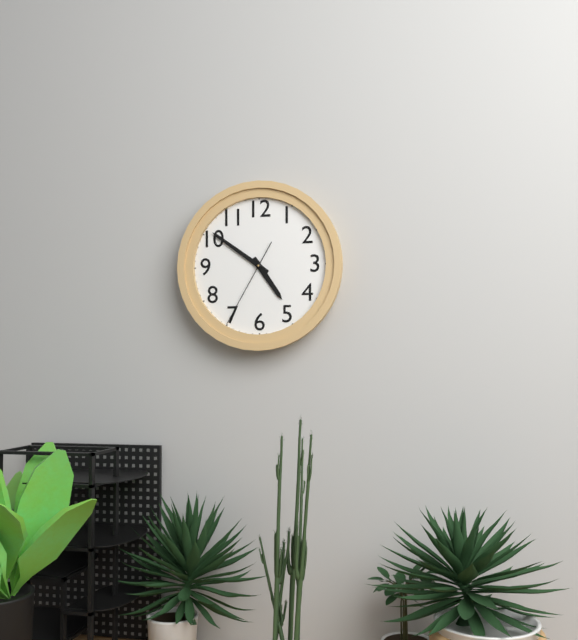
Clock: 4.51.35
